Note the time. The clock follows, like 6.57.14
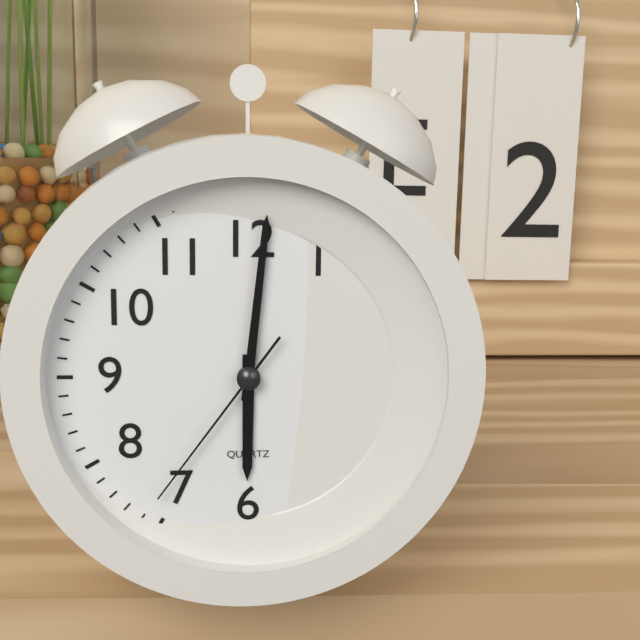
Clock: 6.01.36
